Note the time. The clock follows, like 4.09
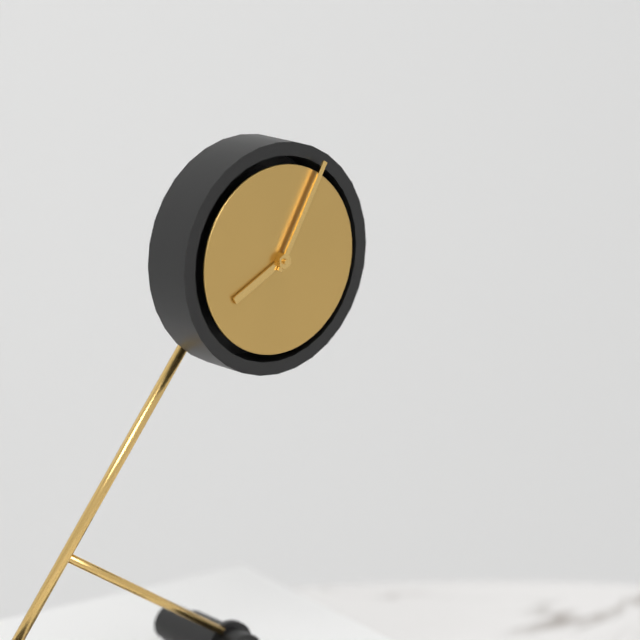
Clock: 8.05
